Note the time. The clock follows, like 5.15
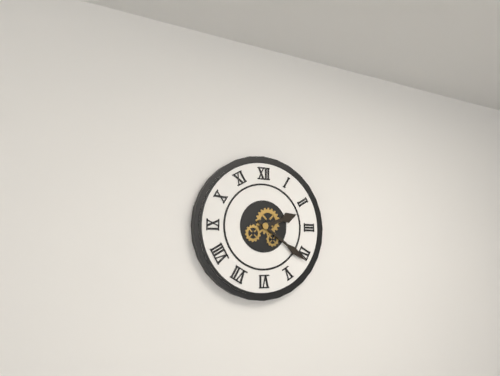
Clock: 2.21
